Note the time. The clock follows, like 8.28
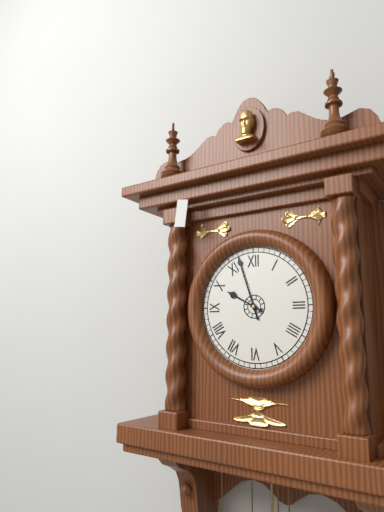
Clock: 9.57
